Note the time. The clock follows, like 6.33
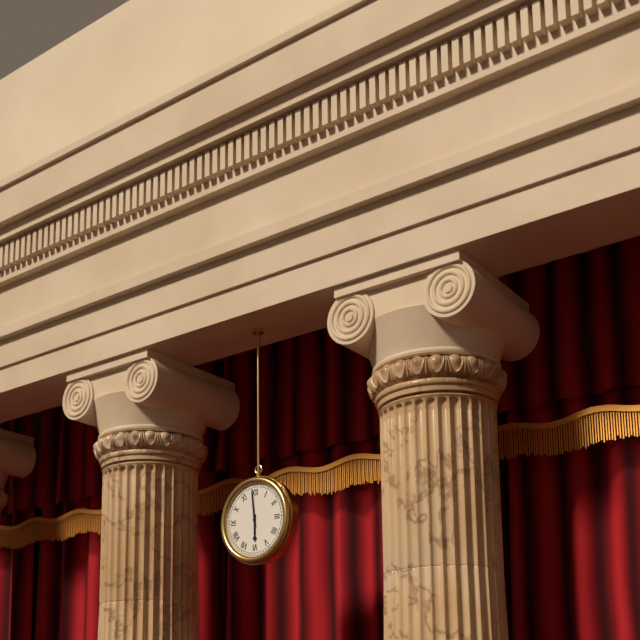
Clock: 5.59
